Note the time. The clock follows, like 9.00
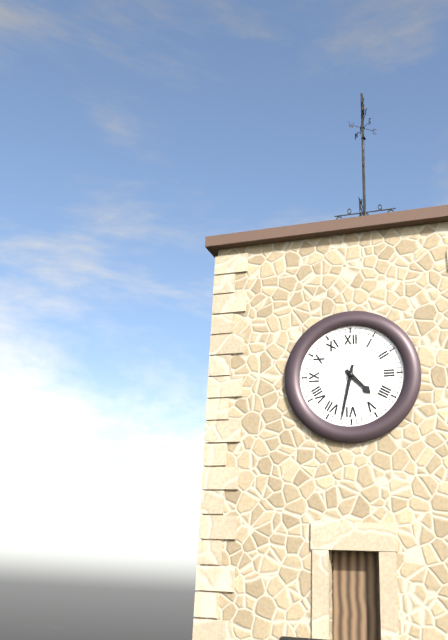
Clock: 4.32
